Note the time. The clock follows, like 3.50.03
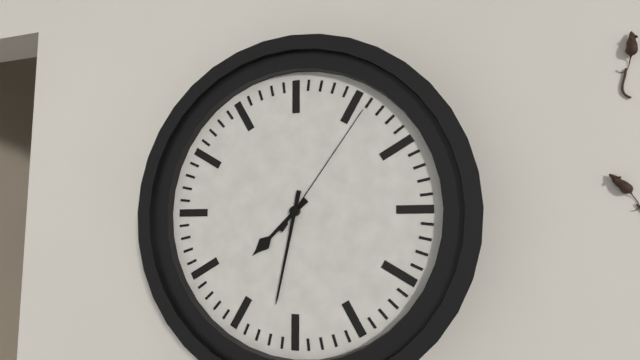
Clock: 7.32.06
